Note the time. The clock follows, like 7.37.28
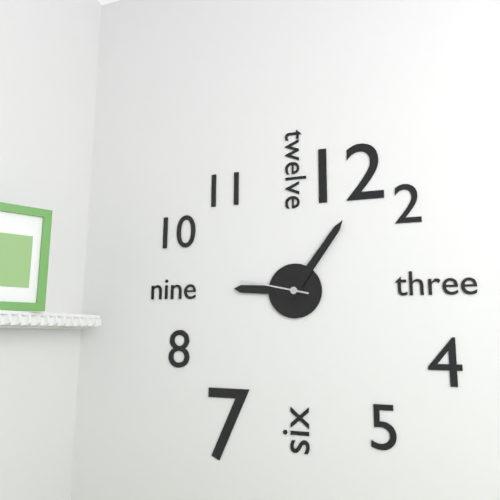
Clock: 9.06.47
